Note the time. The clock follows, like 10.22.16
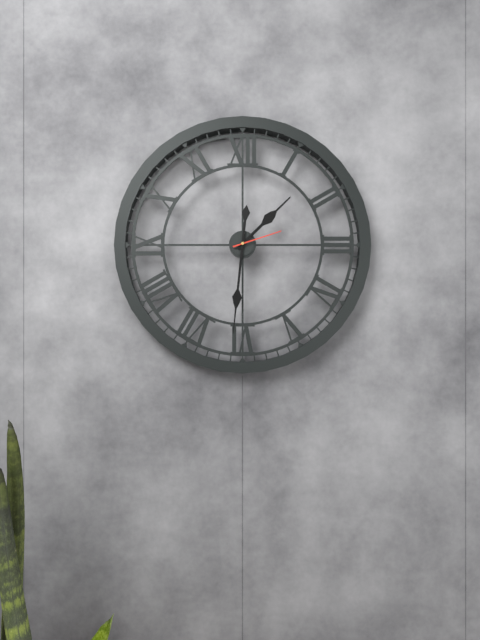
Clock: 1.31.12
